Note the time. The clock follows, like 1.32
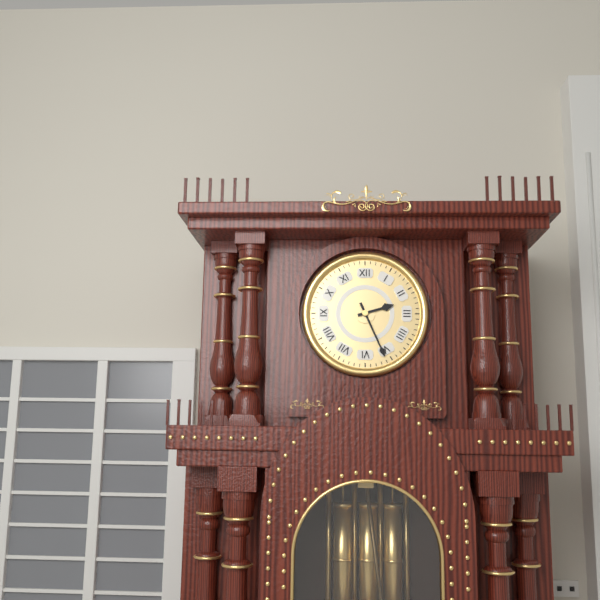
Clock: 2.26
